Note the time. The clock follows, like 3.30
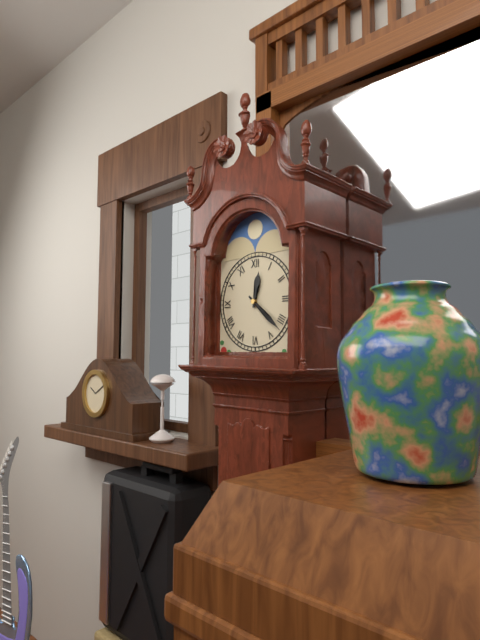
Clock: 12.22
